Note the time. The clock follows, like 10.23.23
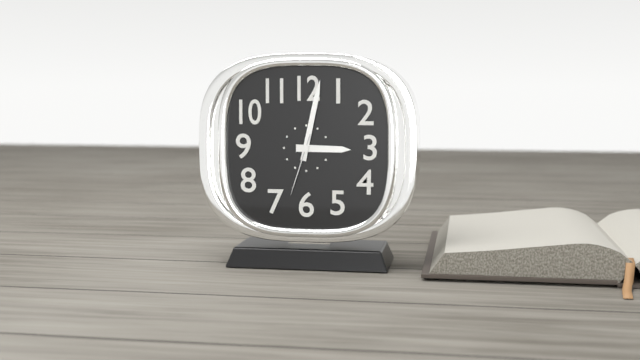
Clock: 3.02.33
